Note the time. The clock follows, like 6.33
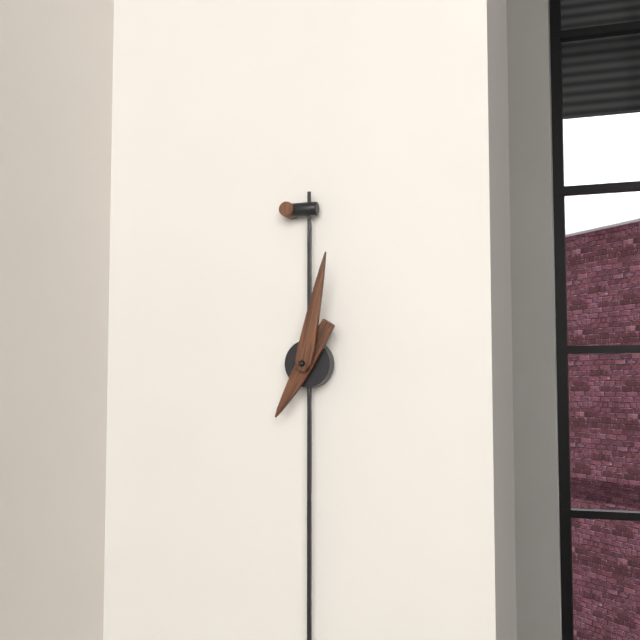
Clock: 7.02
